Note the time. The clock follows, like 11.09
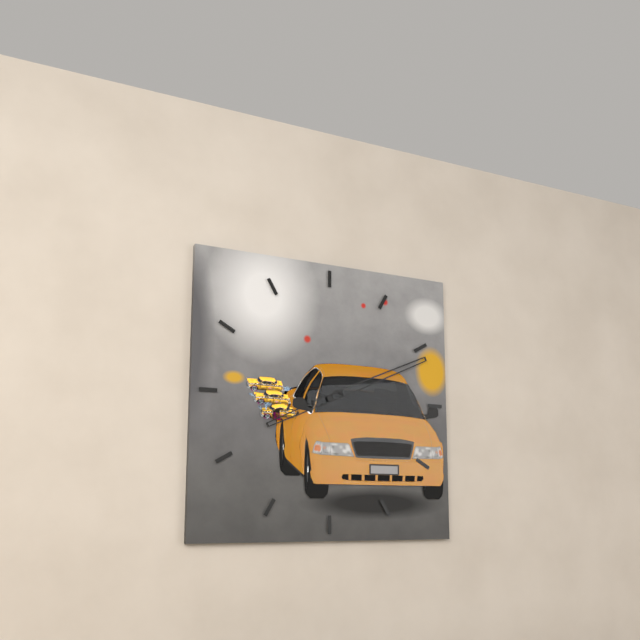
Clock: 8.11
